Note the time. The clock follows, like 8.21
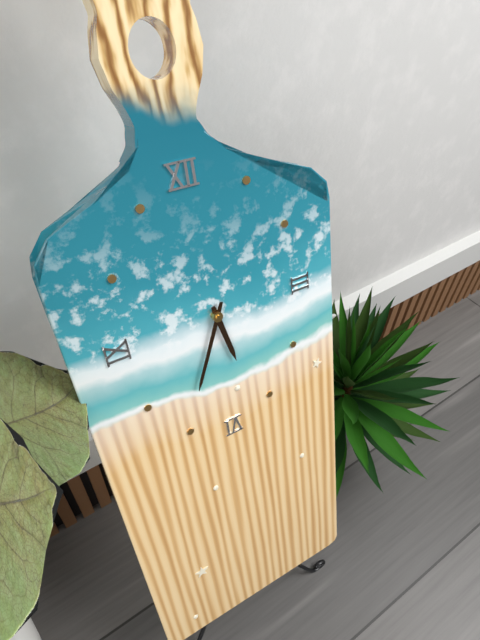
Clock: 5.34
